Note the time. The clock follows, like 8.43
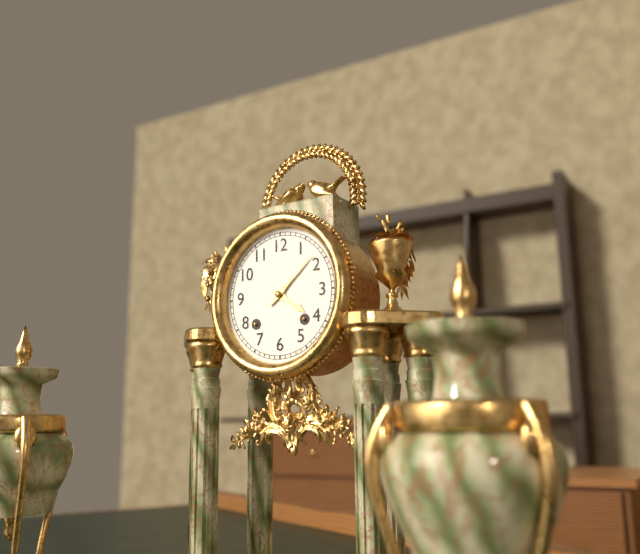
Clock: 4.08
